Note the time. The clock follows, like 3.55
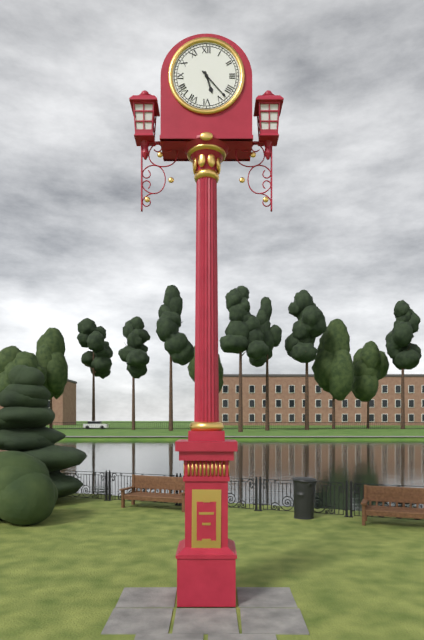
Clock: 5.23
